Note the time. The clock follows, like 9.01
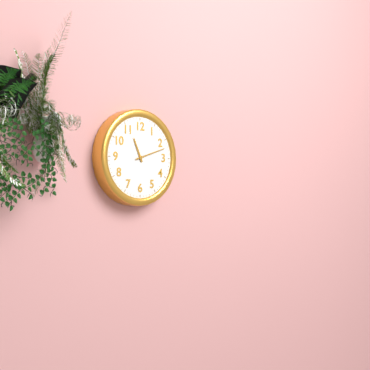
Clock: 11.12
